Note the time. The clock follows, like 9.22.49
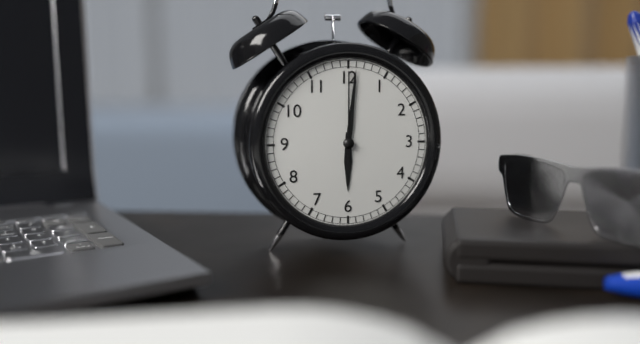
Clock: 6.01.00
